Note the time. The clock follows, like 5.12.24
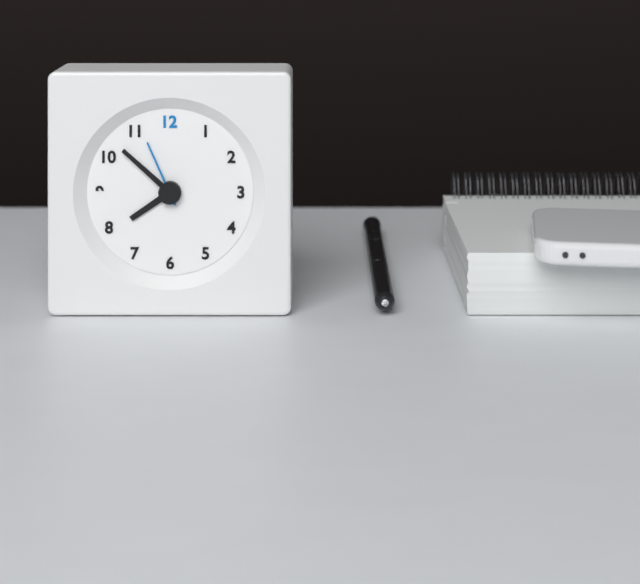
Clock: 7.52.56
